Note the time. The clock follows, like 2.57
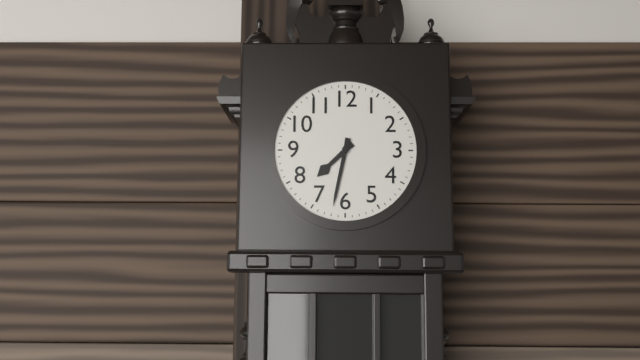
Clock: 7.32
